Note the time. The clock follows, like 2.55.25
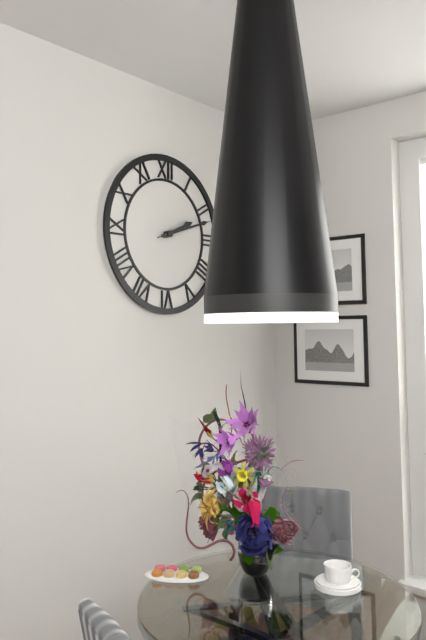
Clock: 2.12.12
